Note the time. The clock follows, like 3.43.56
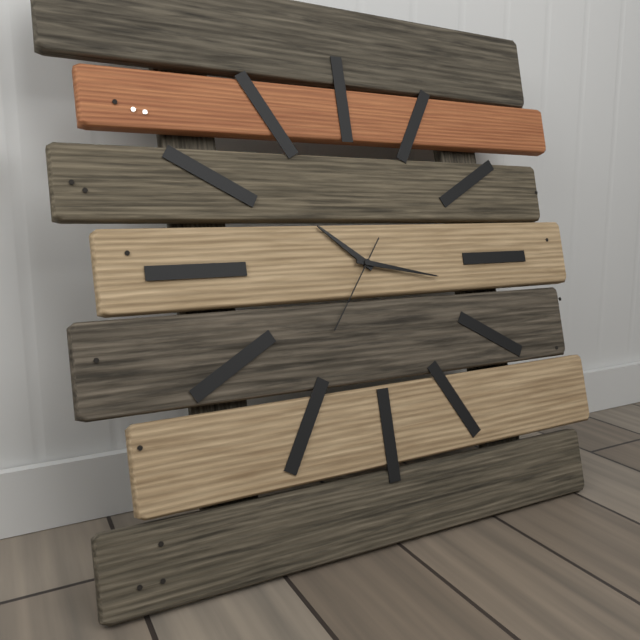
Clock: 10.17.36
